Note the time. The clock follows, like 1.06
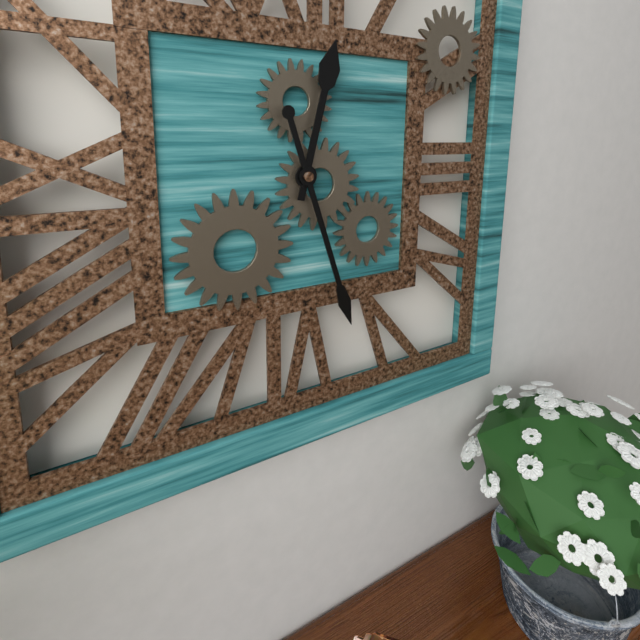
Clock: 12.27
